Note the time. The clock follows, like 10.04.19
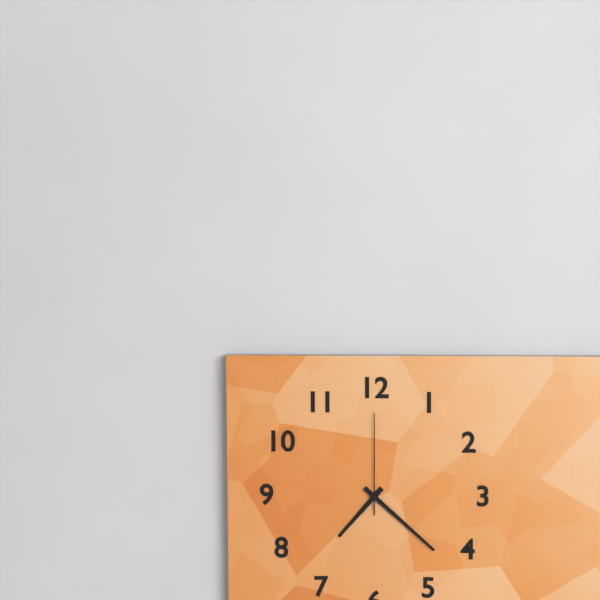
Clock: 7.22.00
